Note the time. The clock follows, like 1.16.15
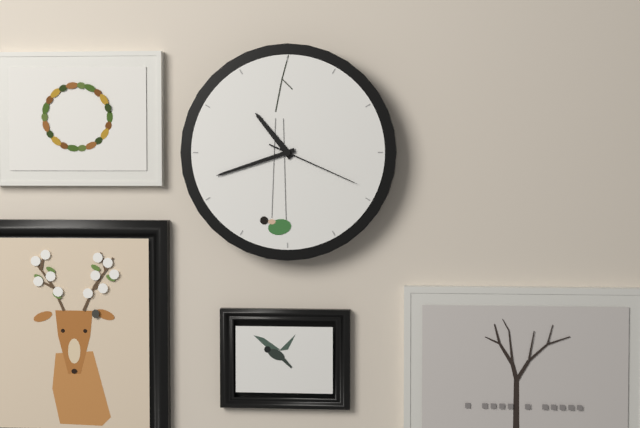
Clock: 10.42.19
